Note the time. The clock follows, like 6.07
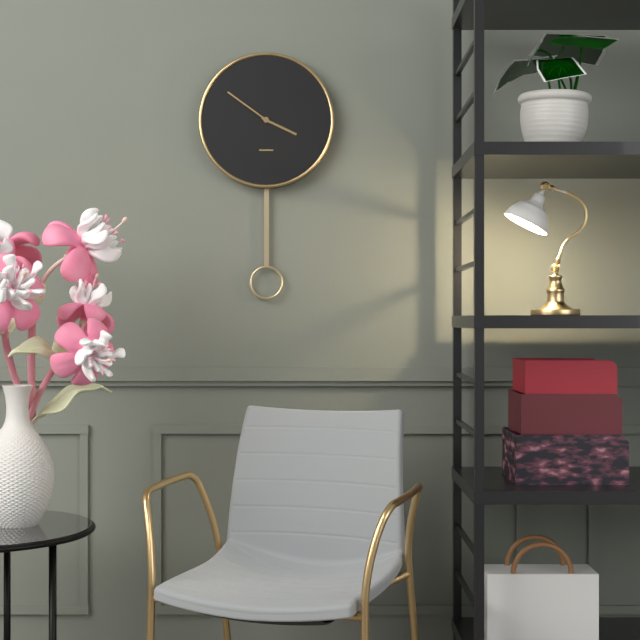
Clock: 3.51
